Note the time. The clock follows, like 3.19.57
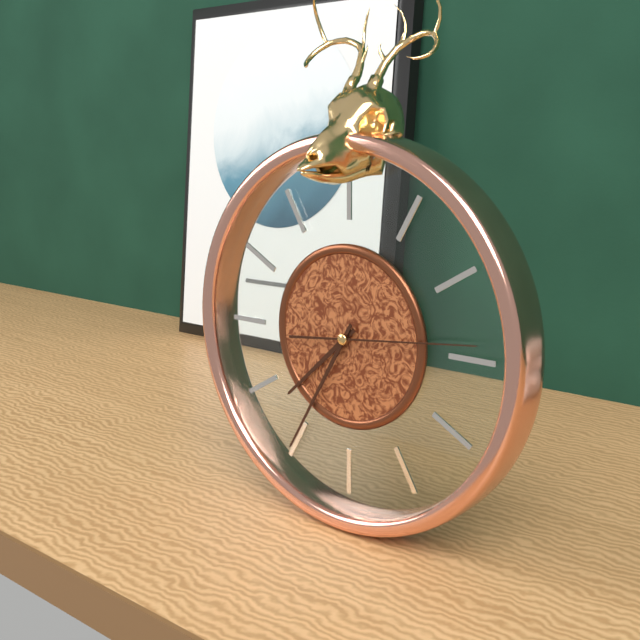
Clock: 7.35.14
